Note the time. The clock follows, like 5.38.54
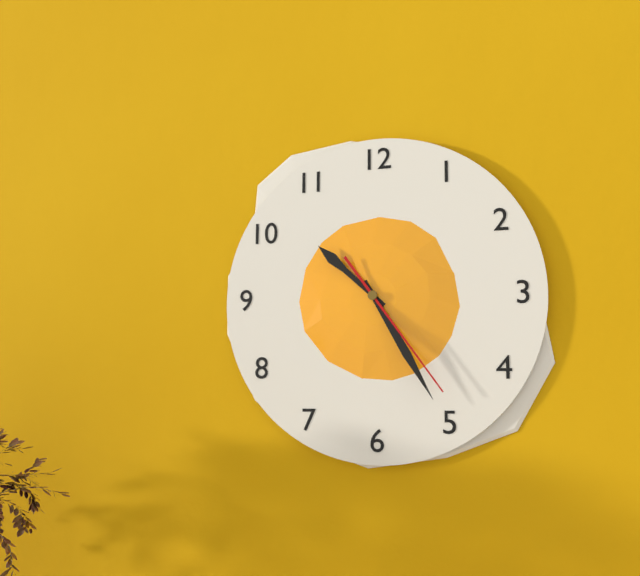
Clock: 10.25.24
